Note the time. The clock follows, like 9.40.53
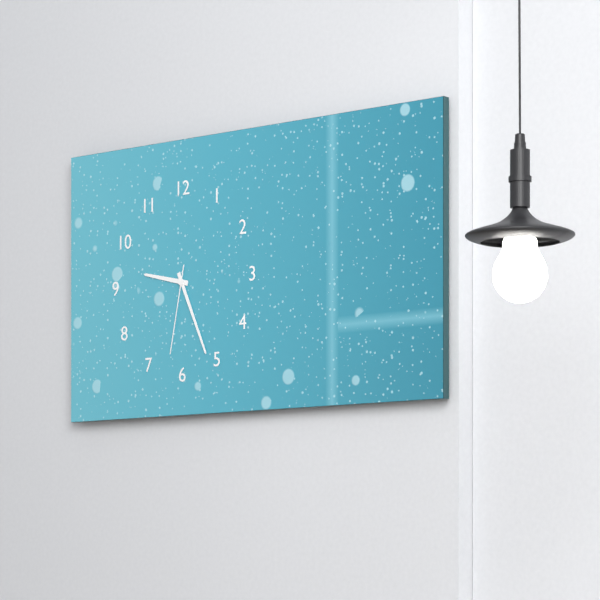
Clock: 9.26.32
